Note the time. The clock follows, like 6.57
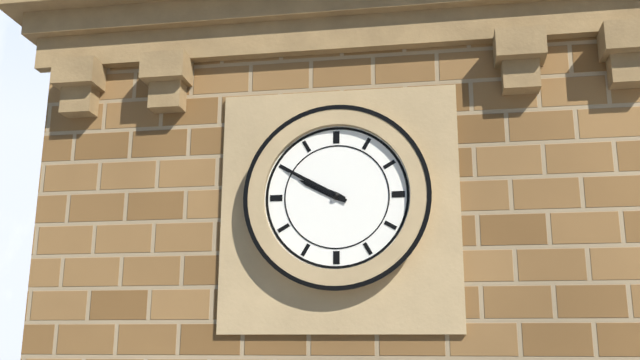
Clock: 9.50
